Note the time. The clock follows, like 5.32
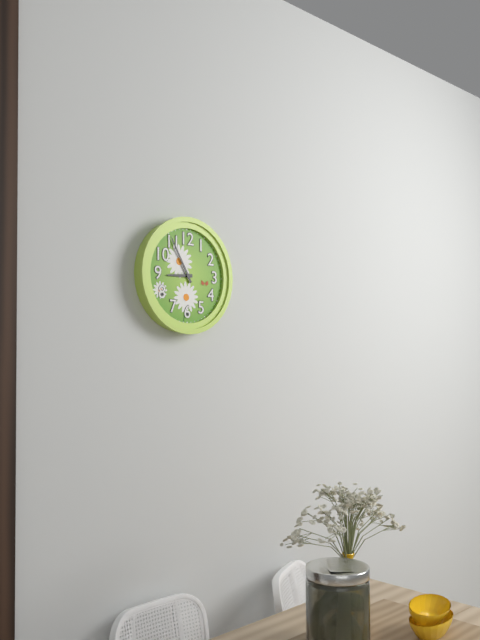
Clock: 8.55
